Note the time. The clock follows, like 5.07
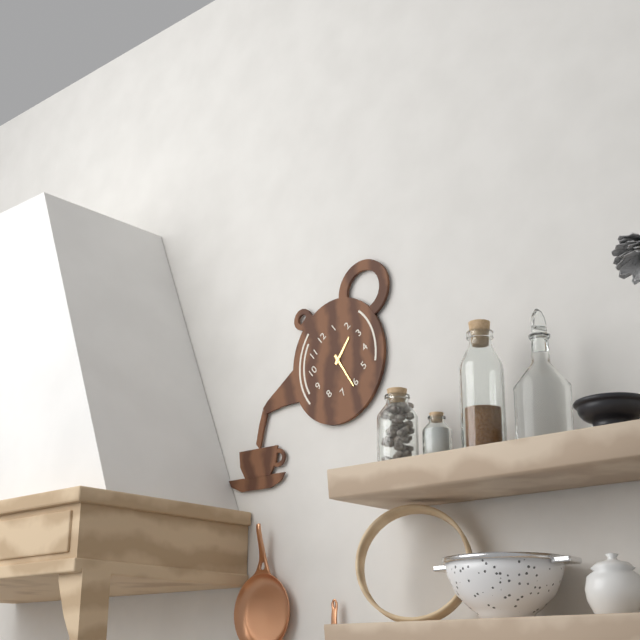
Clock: 2.31
